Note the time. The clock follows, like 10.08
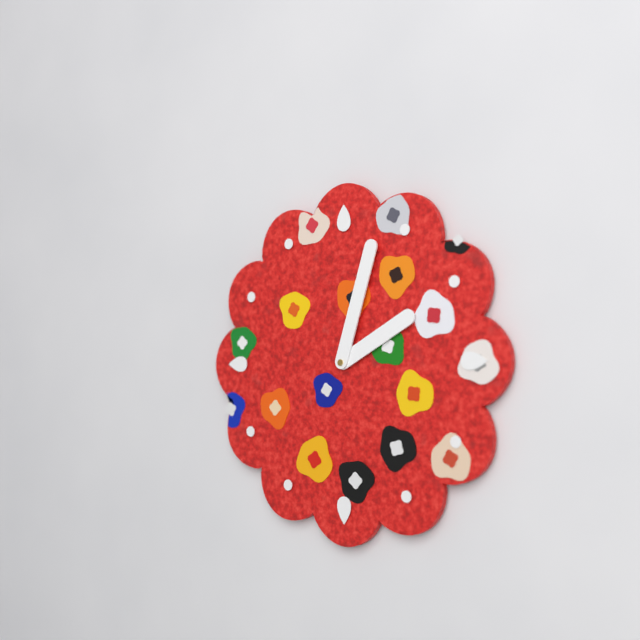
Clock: 2.03
